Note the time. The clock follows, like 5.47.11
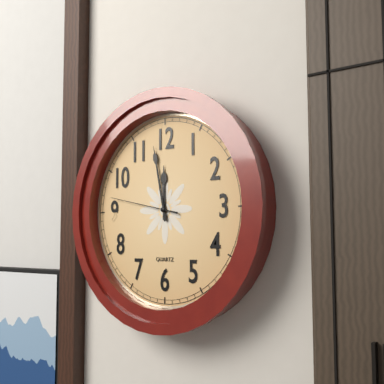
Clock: 11.58.47
